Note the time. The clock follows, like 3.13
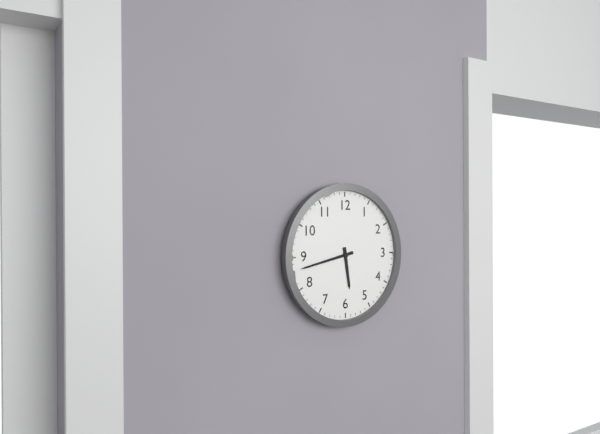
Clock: 5.43
